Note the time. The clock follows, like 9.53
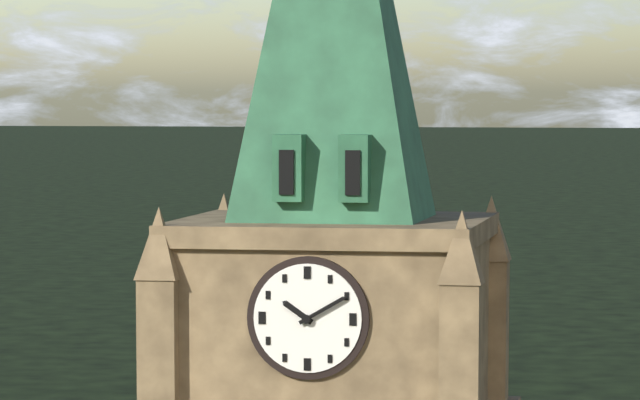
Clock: 10.10
